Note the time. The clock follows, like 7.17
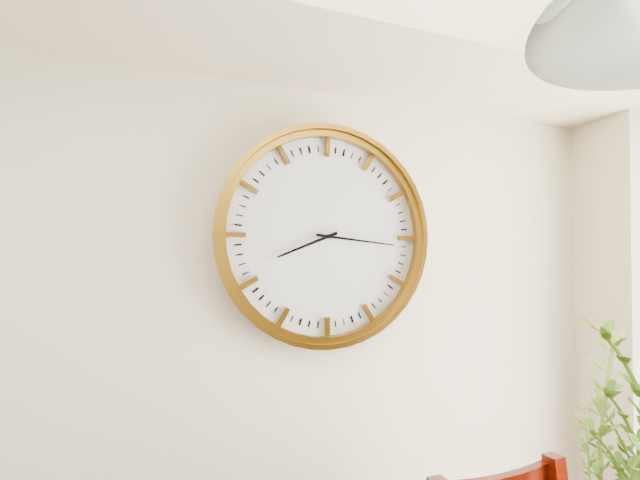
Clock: 8.16
